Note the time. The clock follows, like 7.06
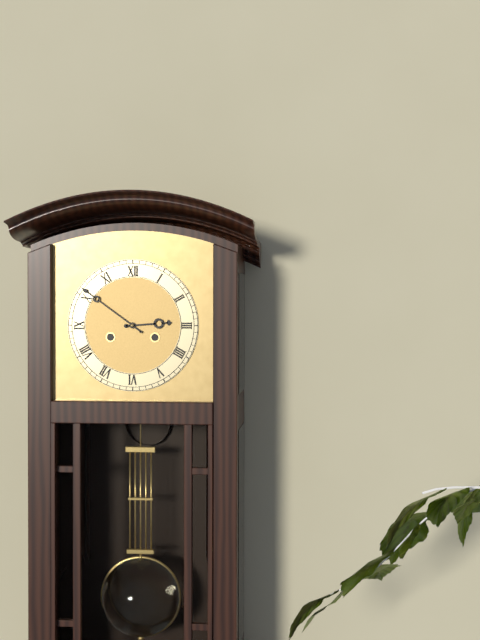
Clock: 2.51
